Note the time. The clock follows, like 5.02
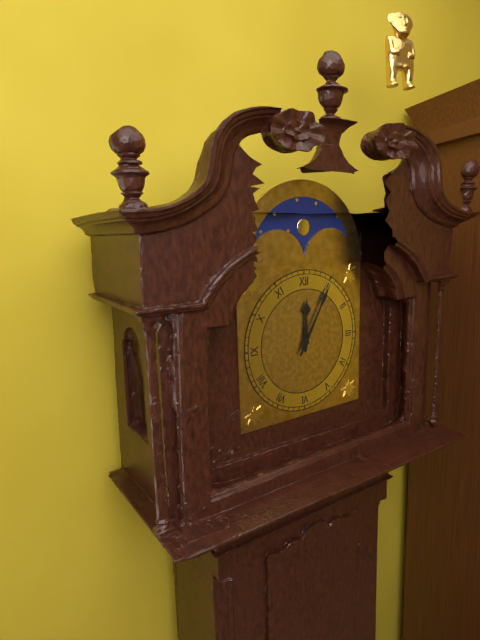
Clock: 12.05
